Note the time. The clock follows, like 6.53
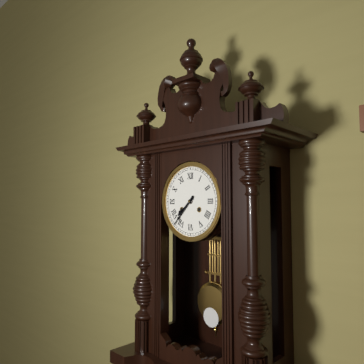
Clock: 7.37
